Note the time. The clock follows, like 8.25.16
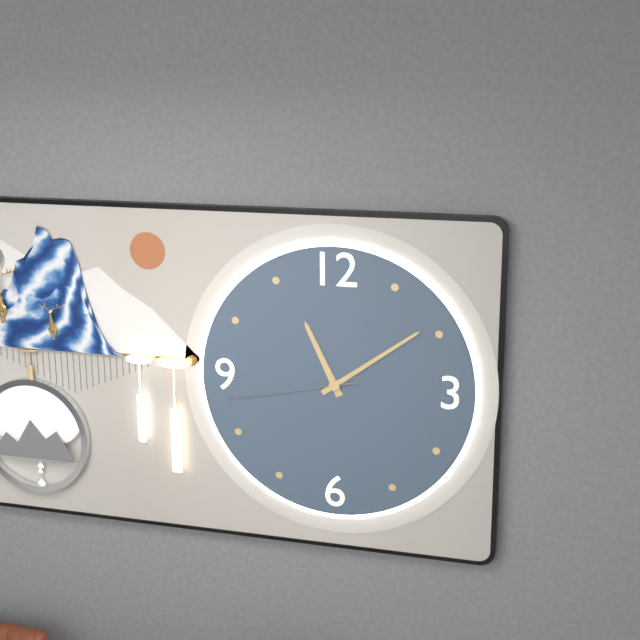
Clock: 11.09.43
